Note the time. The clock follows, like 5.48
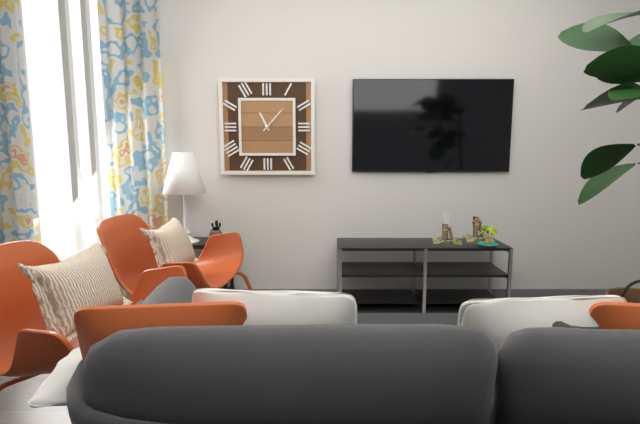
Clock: 11.07
